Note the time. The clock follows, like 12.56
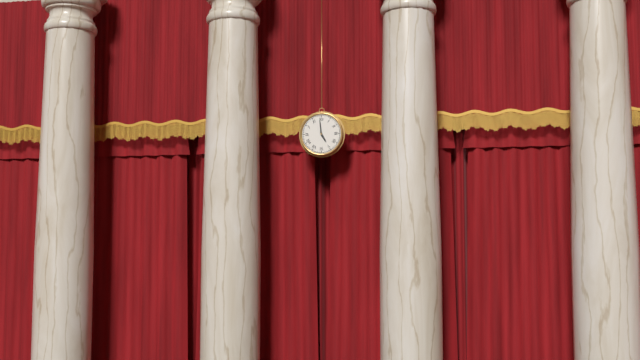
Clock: 4.59
